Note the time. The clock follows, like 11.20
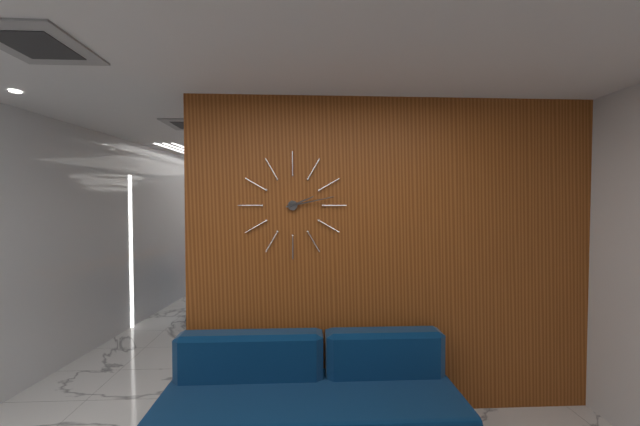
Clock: 2.13
